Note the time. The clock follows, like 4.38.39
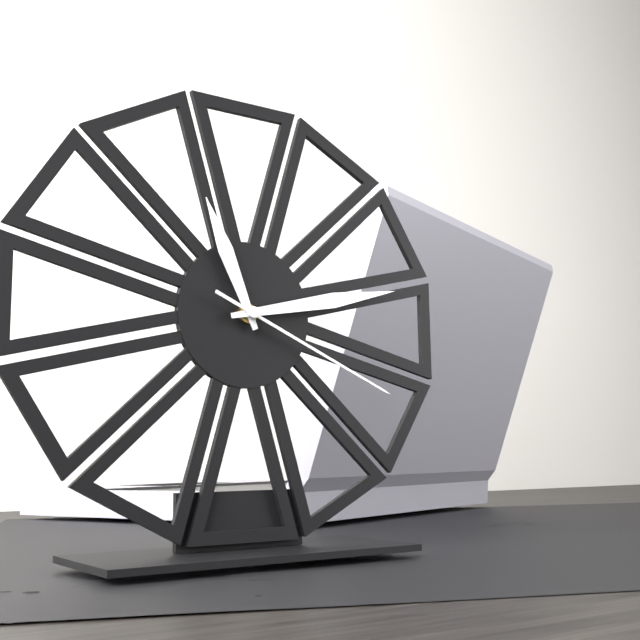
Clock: 11.13.19
